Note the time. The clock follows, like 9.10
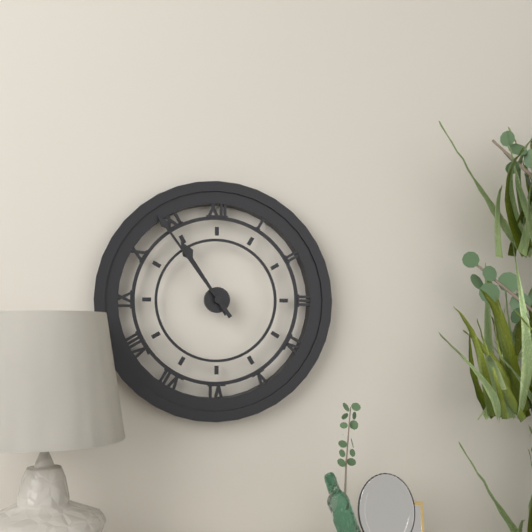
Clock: 10.54
